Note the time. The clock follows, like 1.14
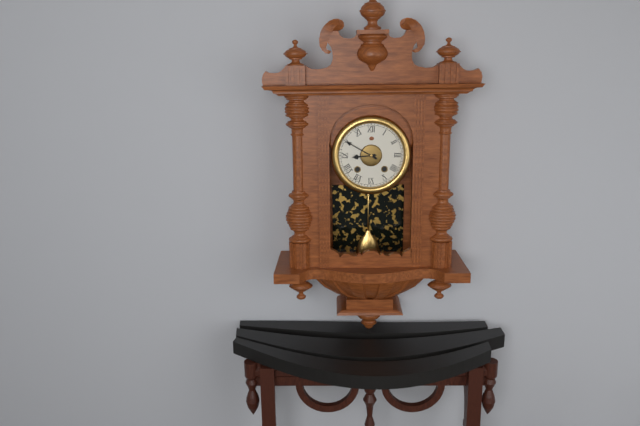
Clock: 8.50
